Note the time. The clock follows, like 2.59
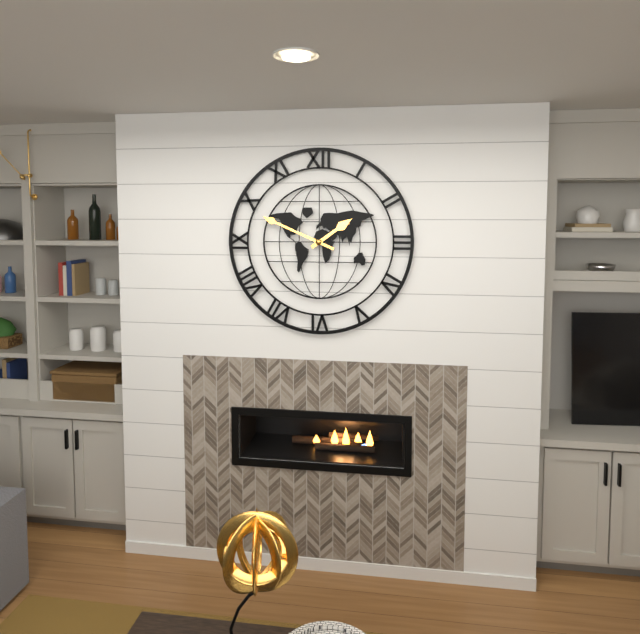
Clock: 1.49
